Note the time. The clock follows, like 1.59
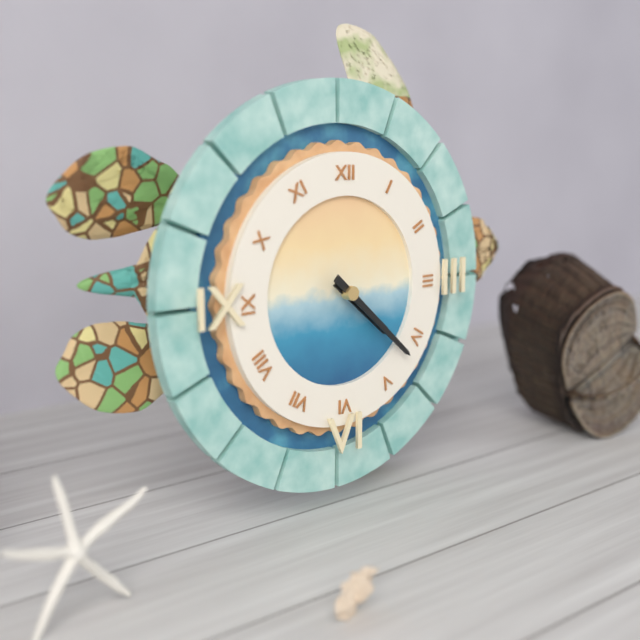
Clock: 4.22
